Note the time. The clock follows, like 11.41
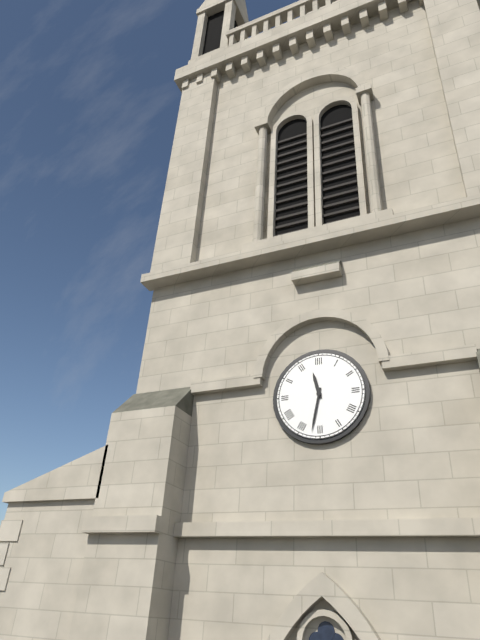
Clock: 11.32
